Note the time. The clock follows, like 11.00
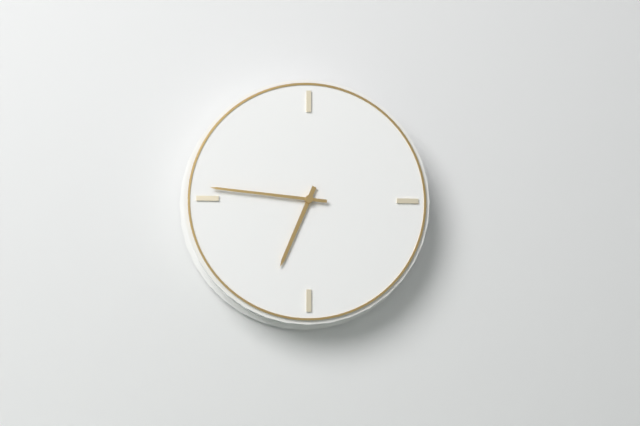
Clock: 6.46
